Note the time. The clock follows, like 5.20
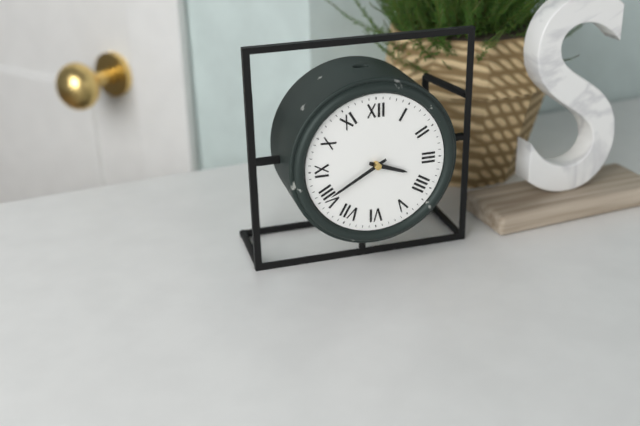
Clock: 3.40
